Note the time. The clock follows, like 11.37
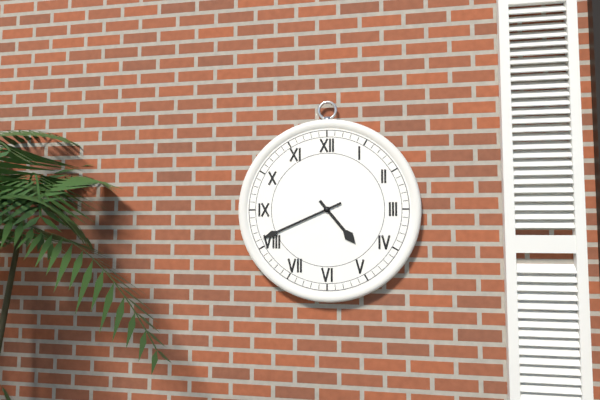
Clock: 4.41
